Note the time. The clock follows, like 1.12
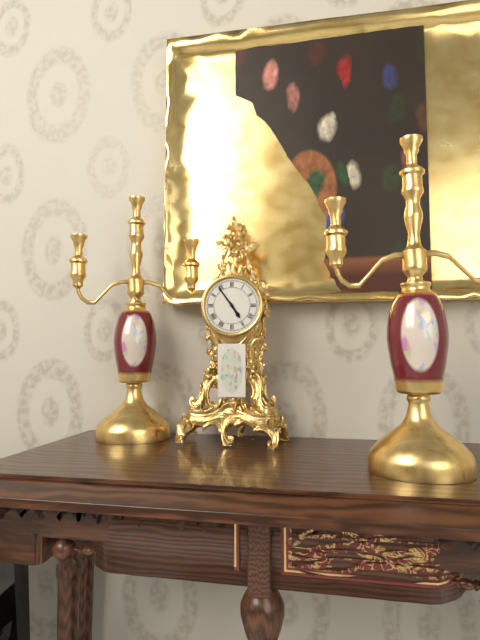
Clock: 4.54
